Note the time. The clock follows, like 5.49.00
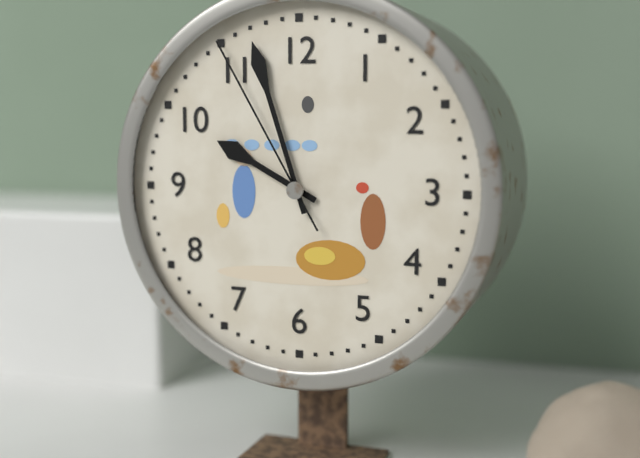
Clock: 9.57.55
